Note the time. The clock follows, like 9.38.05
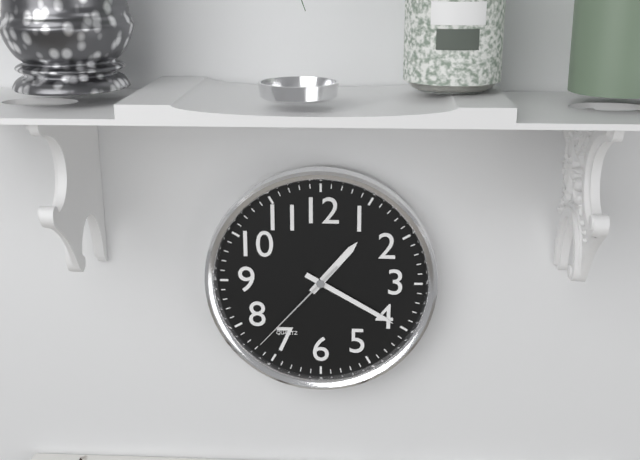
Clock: 1.20.37
